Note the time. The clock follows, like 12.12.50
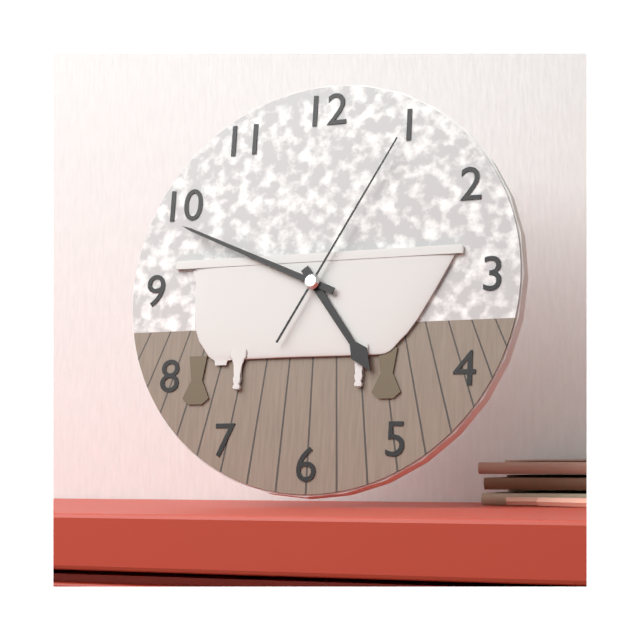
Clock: 4.49.05
